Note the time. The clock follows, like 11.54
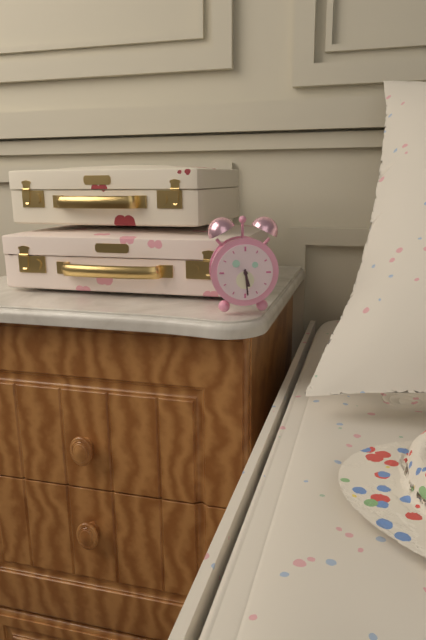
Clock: 5.29
